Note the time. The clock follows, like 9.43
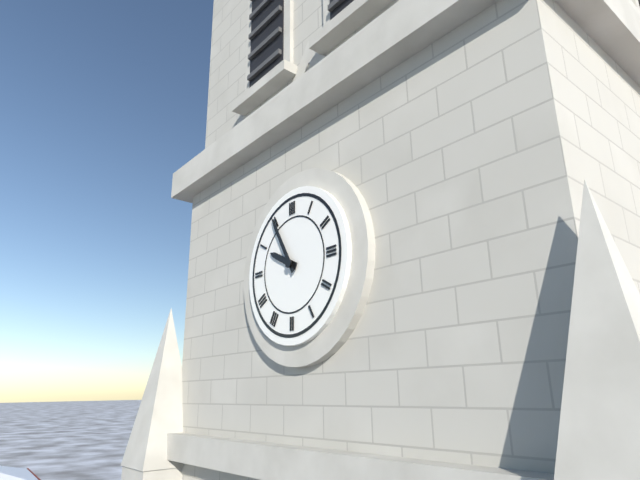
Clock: 9.55
